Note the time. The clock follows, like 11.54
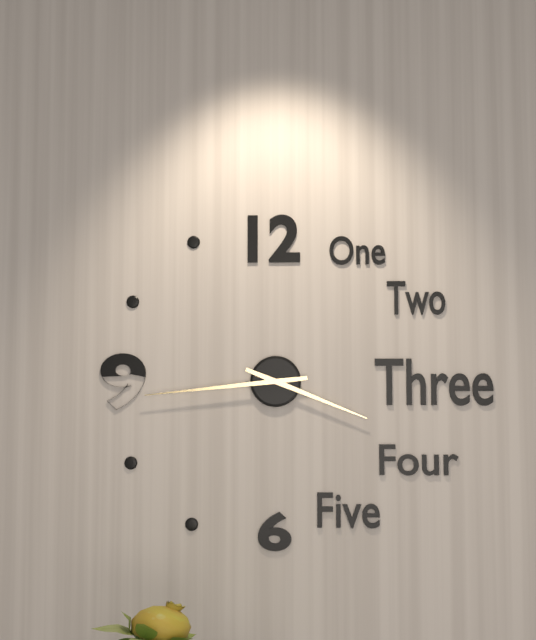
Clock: 3.44
